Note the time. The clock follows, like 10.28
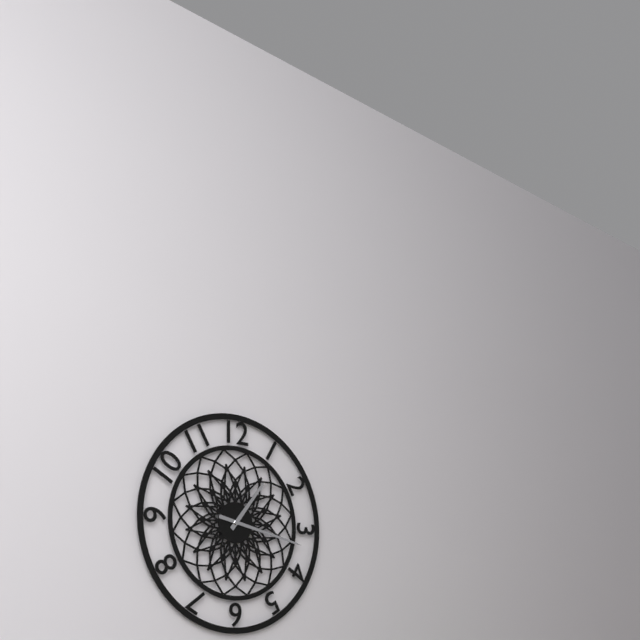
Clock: 1.17
